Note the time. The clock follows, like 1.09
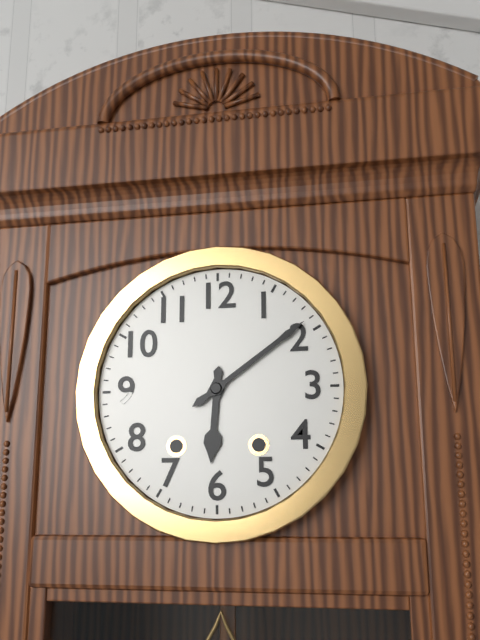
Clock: 6.09
